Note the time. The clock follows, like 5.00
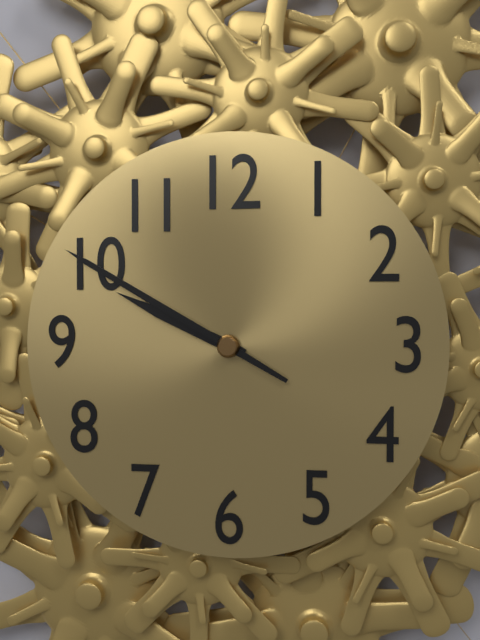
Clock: 9.50
